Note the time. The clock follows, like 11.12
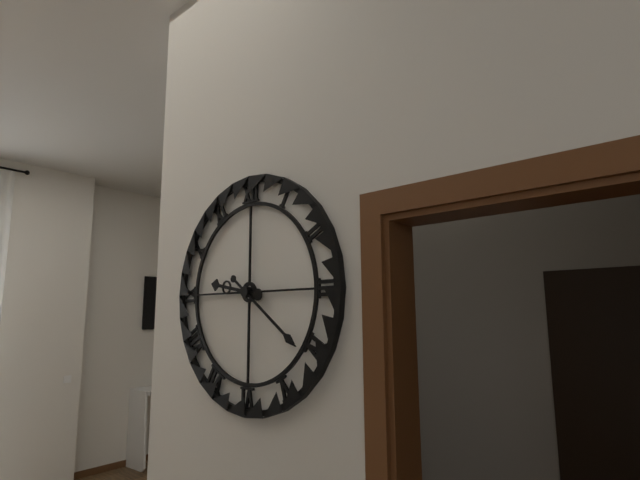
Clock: 9.21
